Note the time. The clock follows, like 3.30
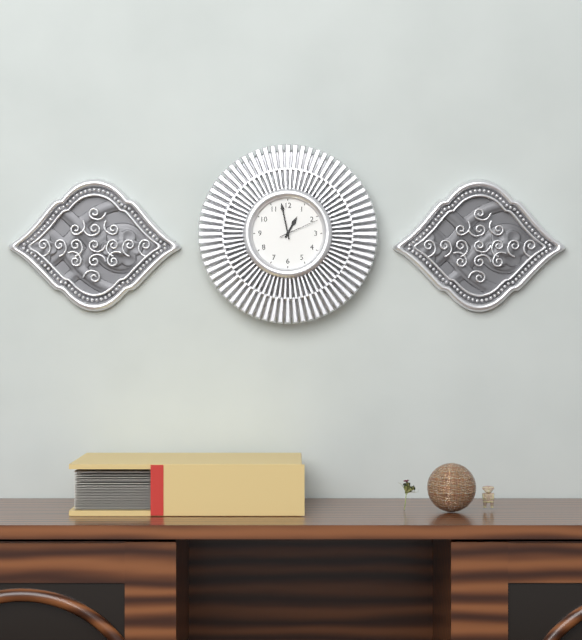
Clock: 12.58
